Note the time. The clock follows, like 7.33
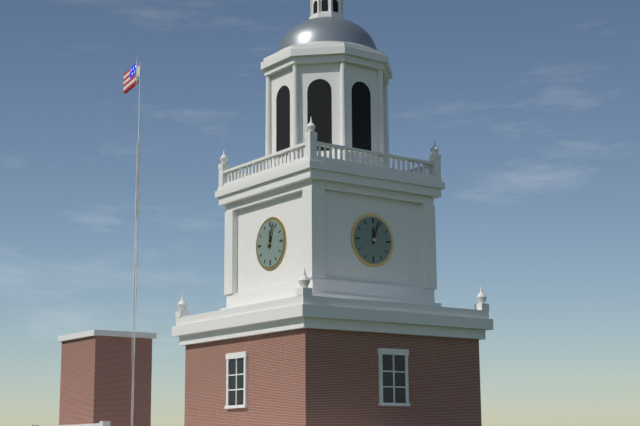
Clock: 12.03
